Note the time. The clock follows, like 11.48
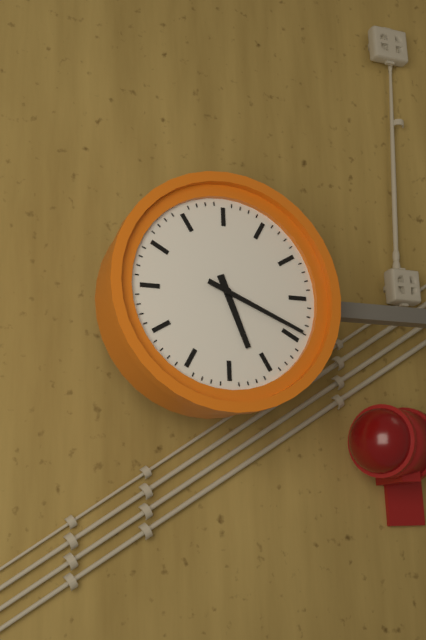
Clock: 5.19
